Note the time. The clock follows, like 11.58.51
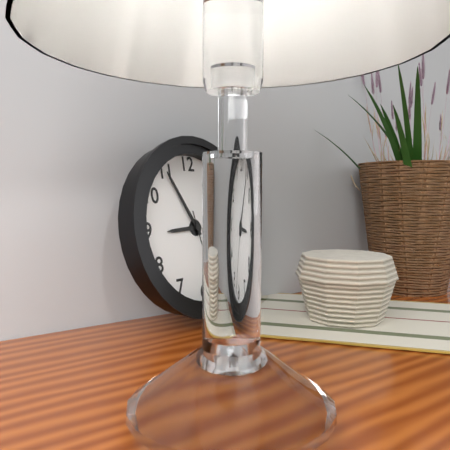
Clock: 8.55.28
